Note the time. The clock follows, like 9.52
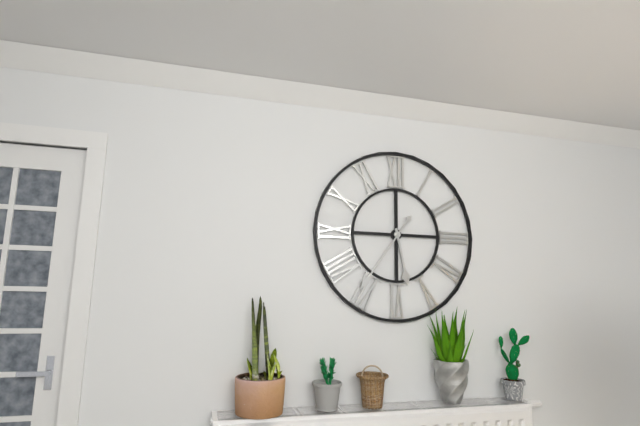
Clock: 5.36
